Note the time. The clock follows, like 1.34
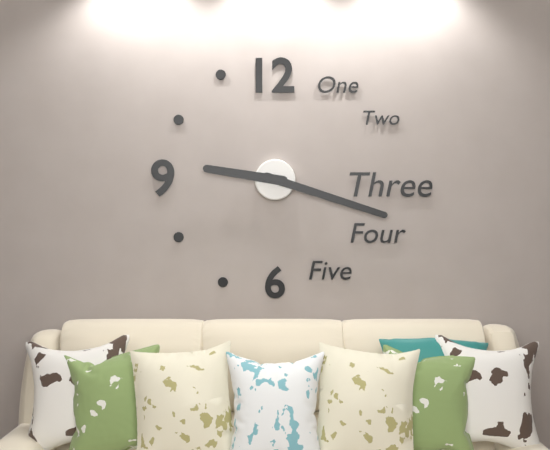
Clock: 9.18
